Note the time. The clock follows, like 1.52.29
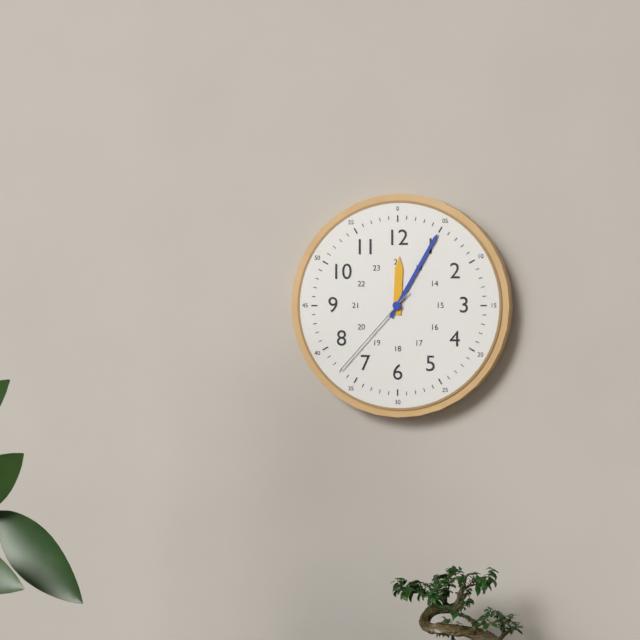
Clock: 12.05.37
